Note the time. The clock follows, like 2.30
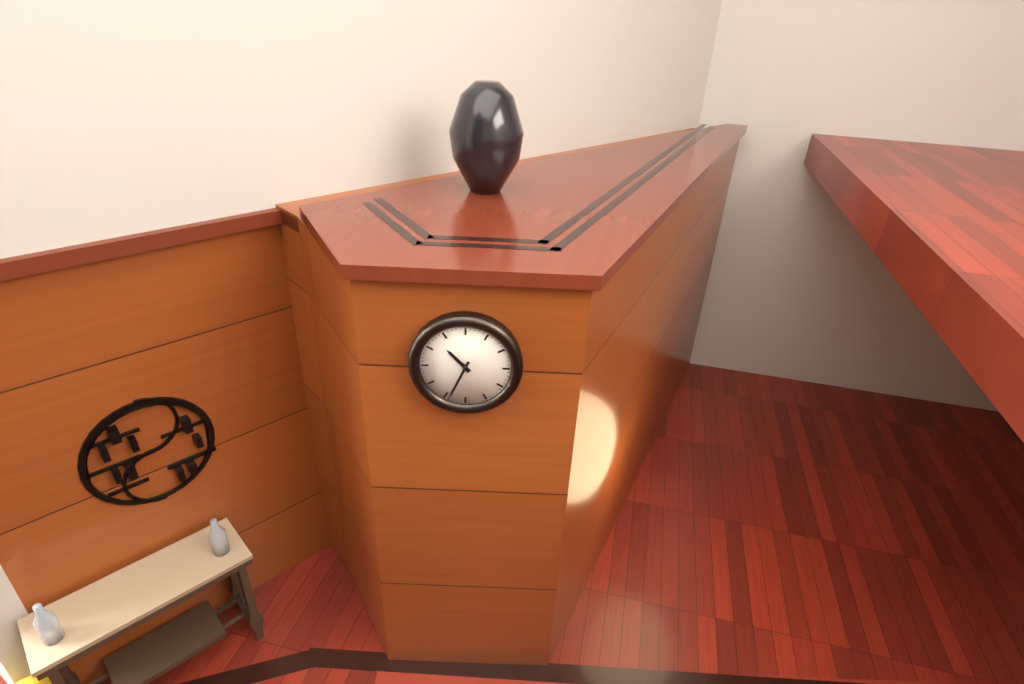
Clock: 10.34
